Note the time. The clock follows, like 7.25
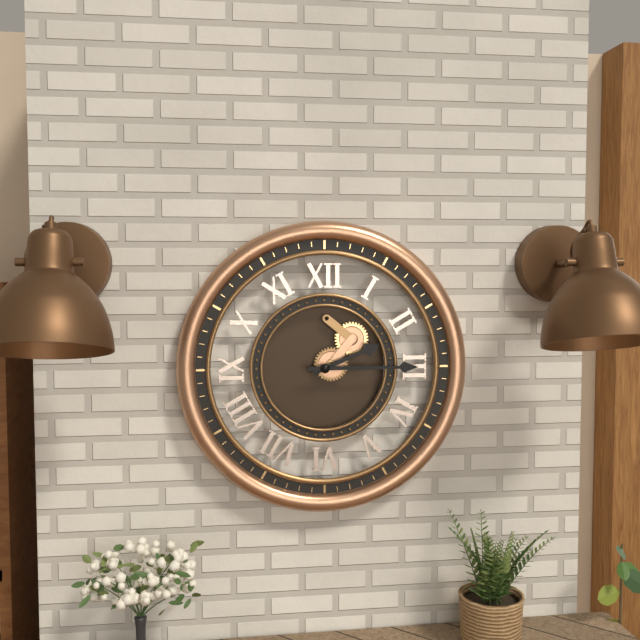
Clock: 2.15
